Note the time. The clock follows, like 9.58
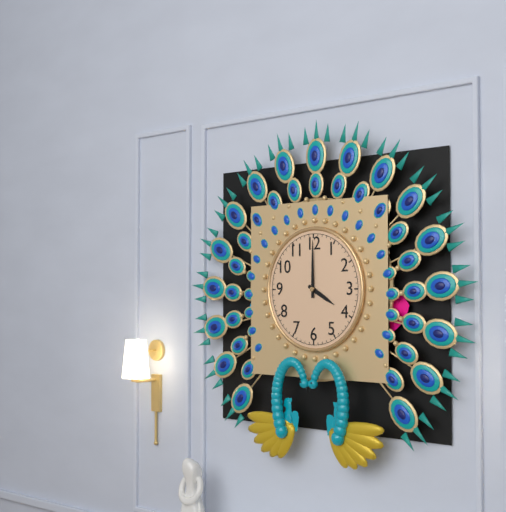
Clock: 4.00
